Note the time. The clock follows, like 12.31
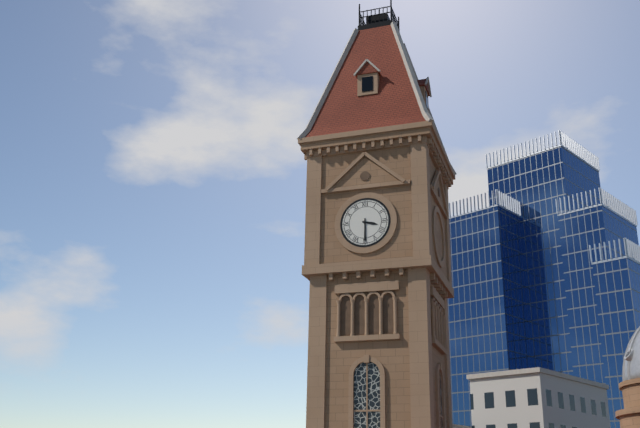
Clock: 3.30
